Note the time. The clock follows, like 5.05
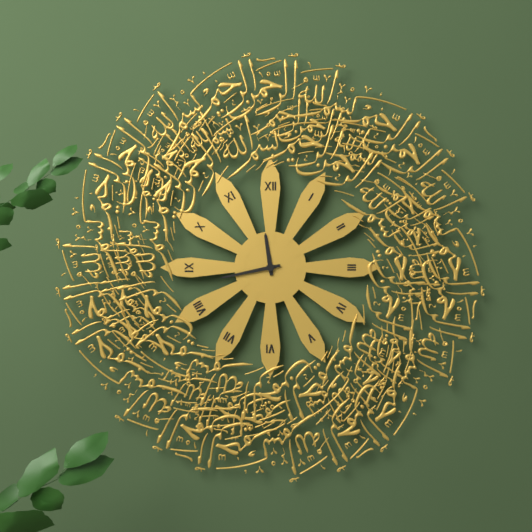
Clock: 11.43
